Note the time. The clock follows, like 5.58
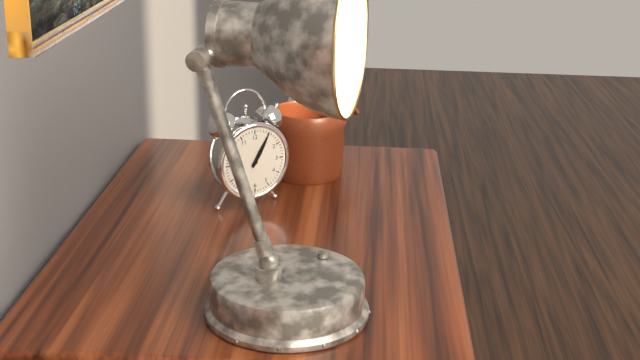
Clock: 1.05
